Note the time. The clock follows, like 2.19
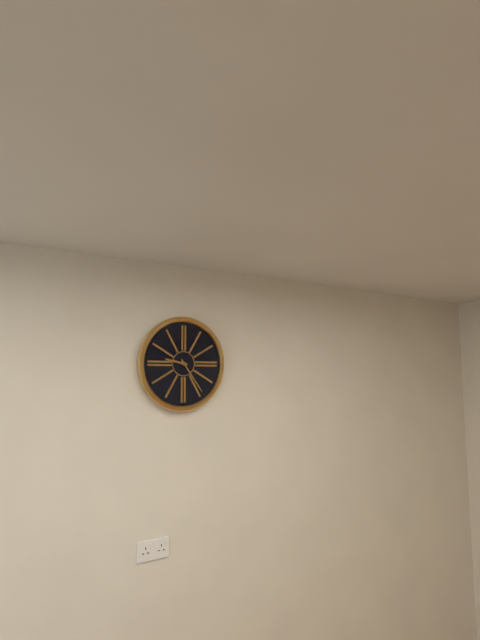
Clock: 9.24
